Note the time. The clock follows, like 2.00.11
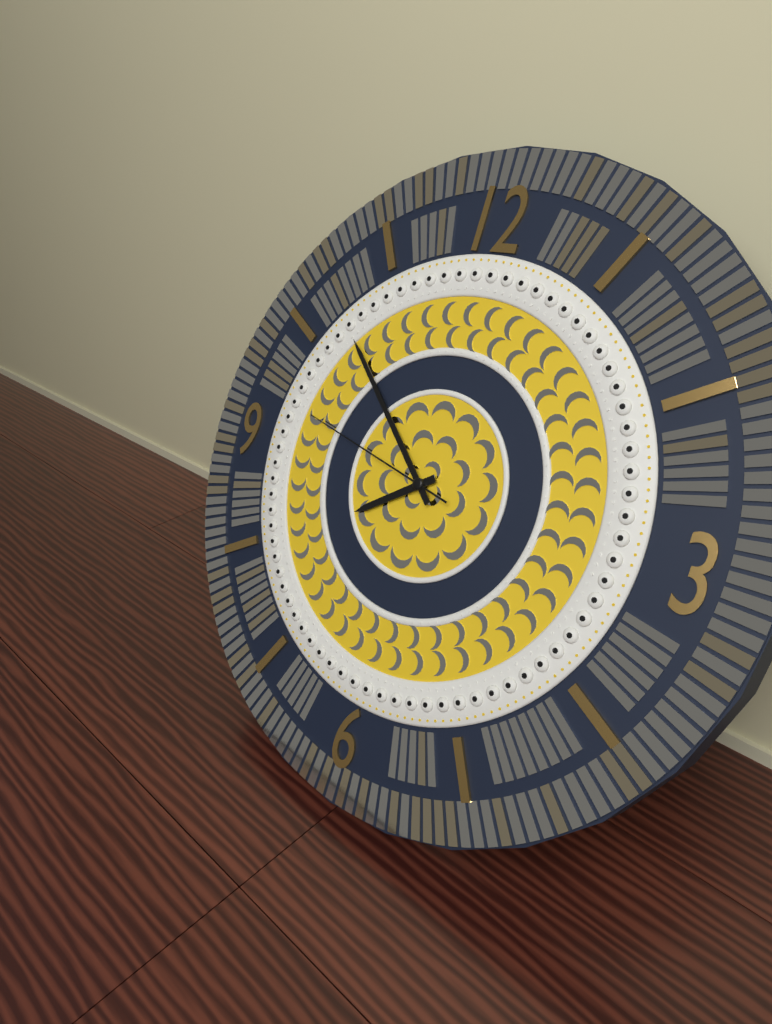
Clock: 7.52.47
